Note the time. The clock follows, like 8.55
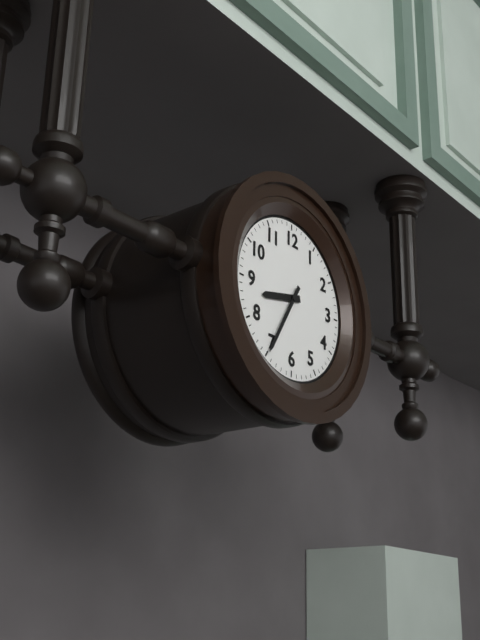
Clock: 8.35
